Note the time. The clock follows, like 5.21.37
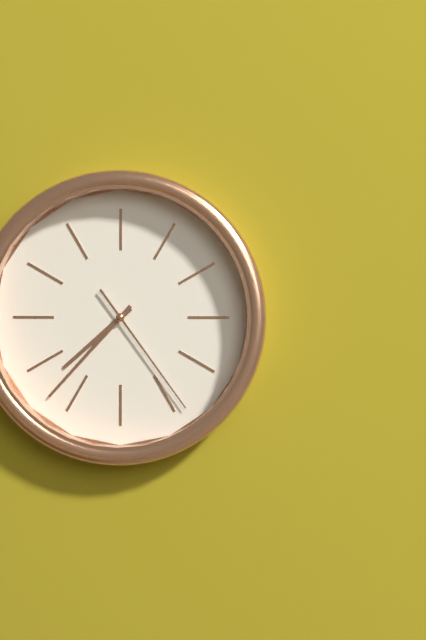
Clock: 7.37.24
